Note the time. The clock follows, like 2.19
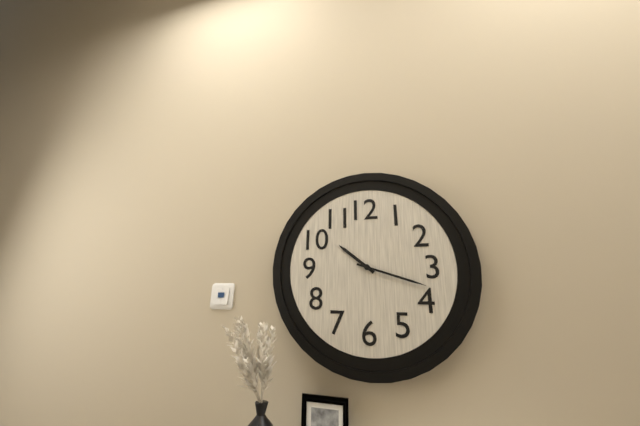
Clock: 10.18
